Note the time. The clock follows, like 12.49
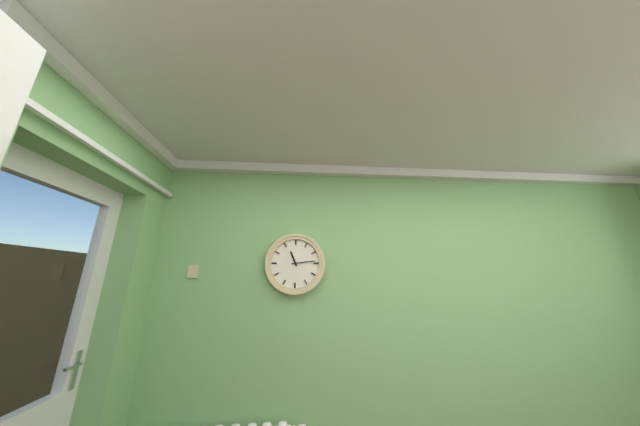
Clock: 11.14
